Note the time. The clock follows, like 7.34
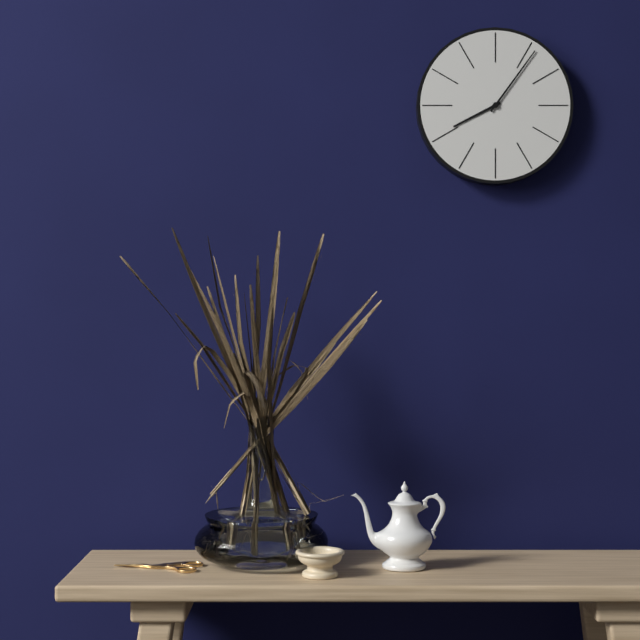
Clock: 8.06
